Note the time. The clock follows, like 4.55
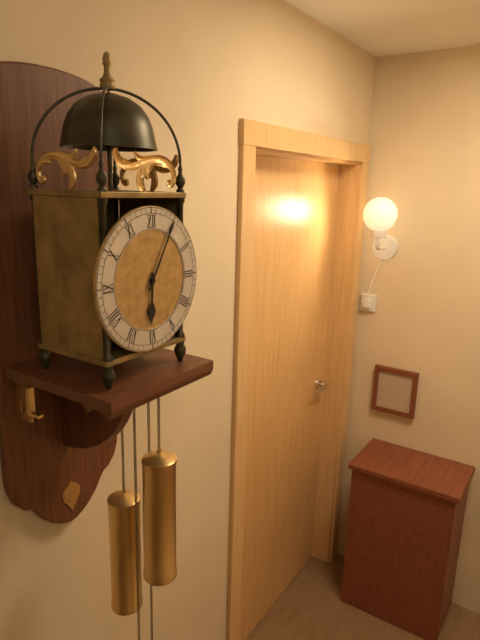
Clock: 6.05
